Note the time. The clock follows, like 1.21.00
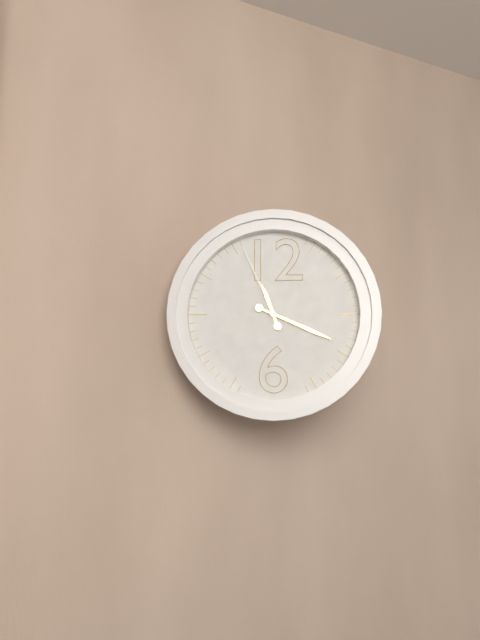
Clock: 11.19.56
